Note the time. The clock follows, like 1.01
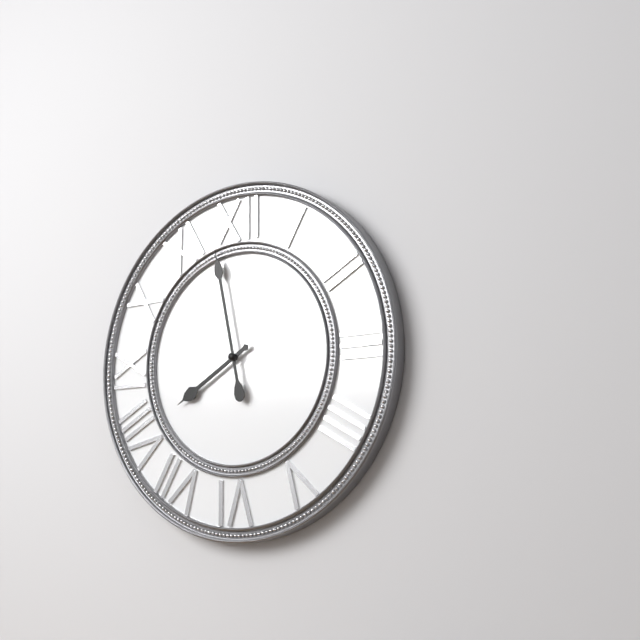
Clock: 7.58
